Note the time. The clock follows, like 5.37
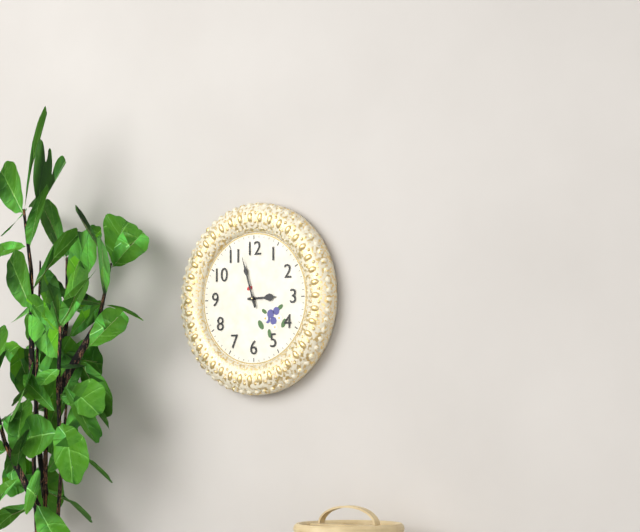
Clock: 2.57
